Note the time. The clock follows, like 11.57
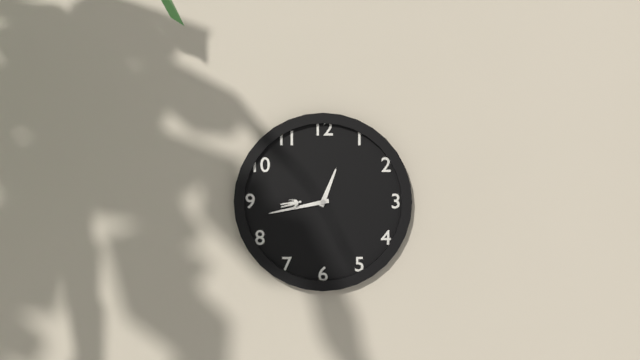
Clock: 12.43
